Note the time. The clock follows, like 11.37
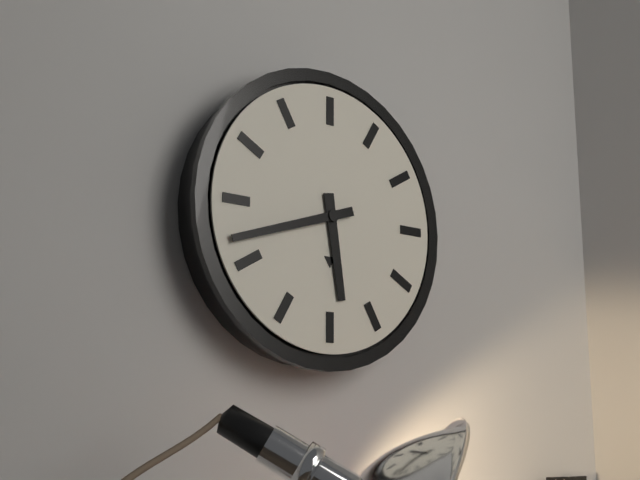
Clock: 5.42
